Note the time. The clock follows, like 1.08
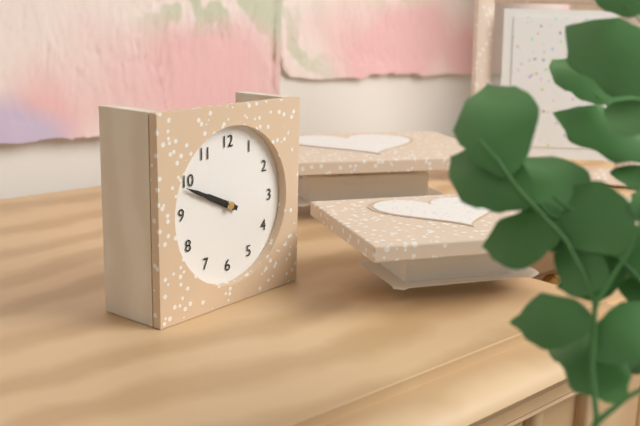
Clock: 9.49
